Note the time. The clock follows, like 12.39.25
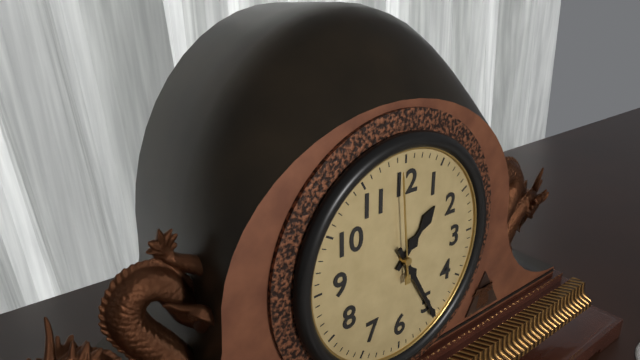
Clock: 1.25.59
